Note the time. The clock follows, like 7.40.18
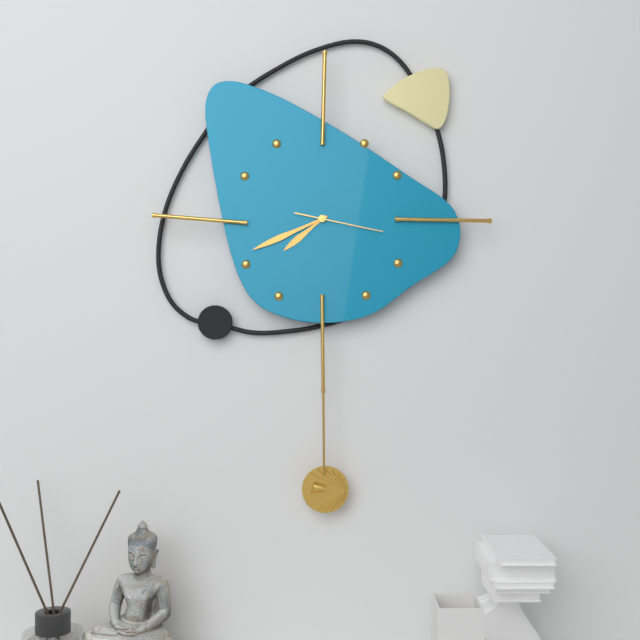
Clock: 7.41.17
